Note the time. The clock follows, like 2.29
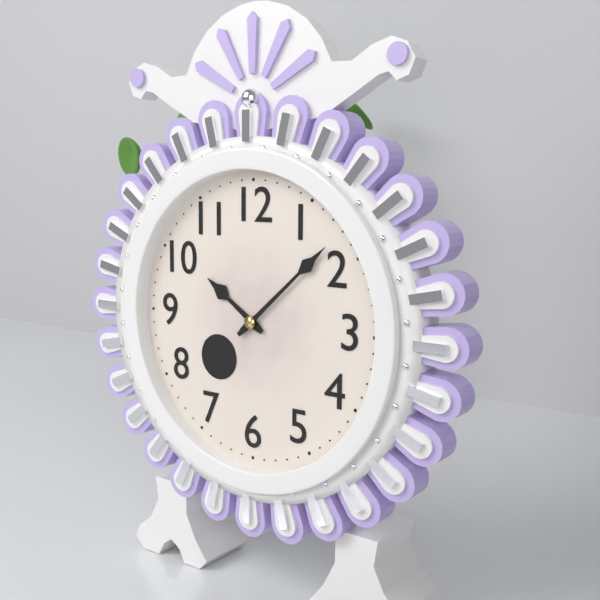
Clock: 10.08
